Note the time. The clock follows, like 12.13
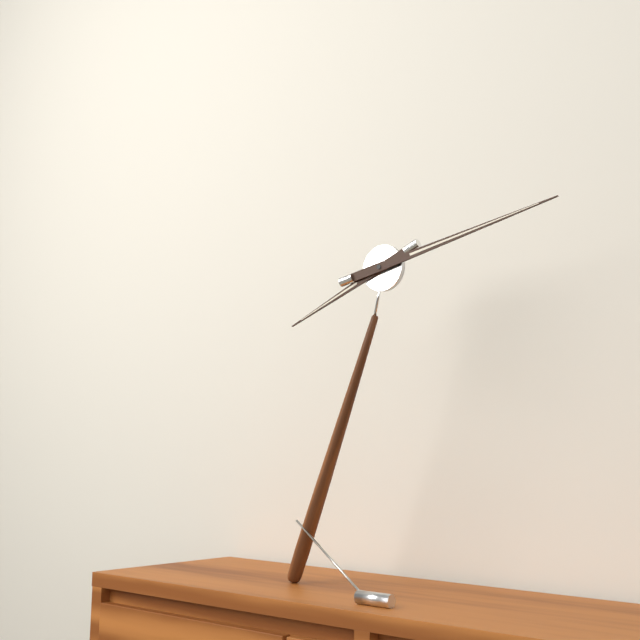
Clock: 8.13
